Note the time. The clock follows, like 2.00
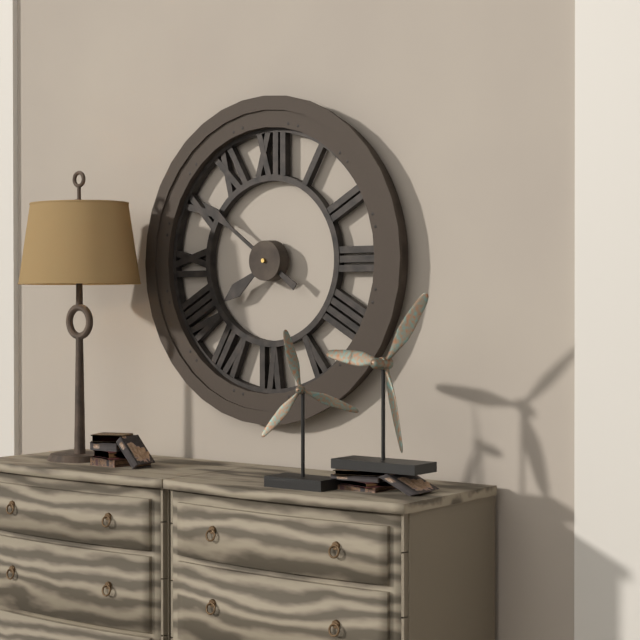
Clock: 7.51
